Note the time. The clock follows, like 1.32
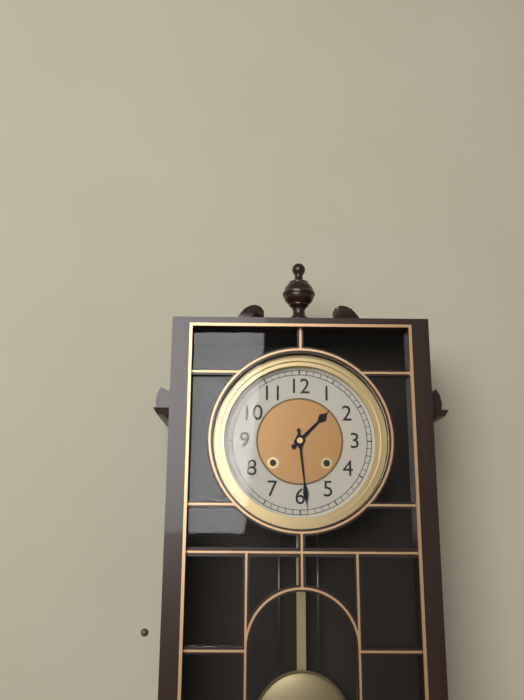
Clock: 1.29
